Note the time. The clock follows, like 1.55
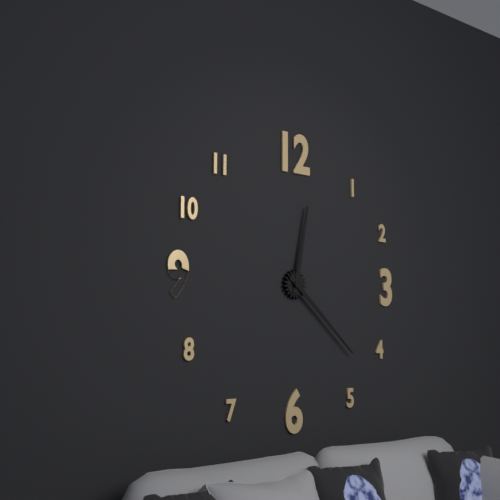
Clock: 12.22
